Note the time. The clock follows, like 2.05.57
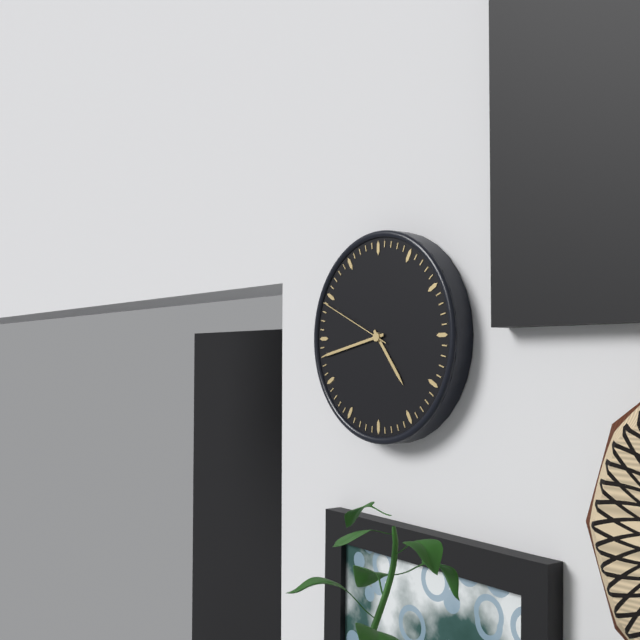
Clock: 4.43.49
